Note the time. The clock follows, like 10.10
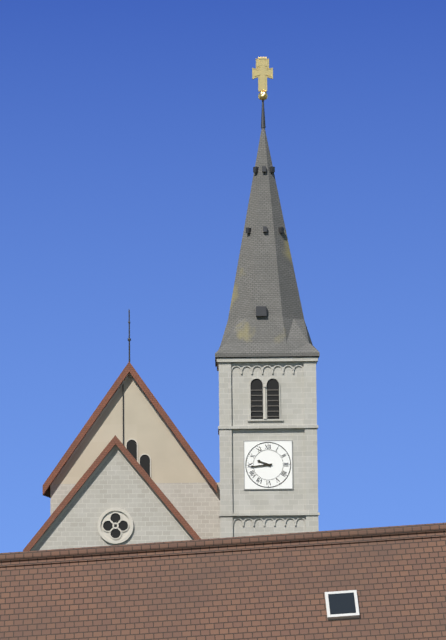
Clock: 9.44
